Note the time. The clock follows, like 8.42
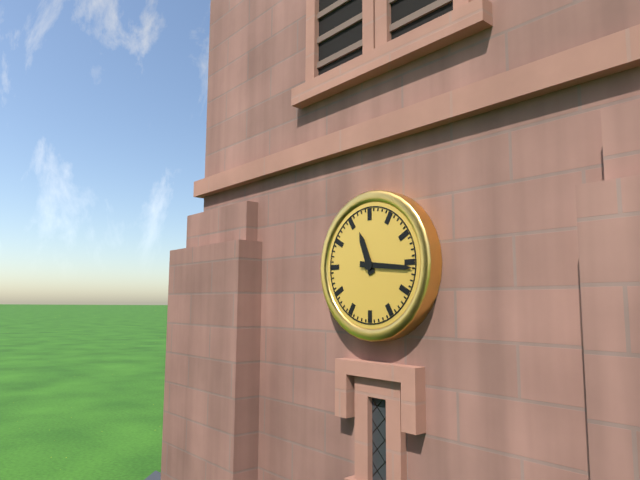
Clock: 11.16
